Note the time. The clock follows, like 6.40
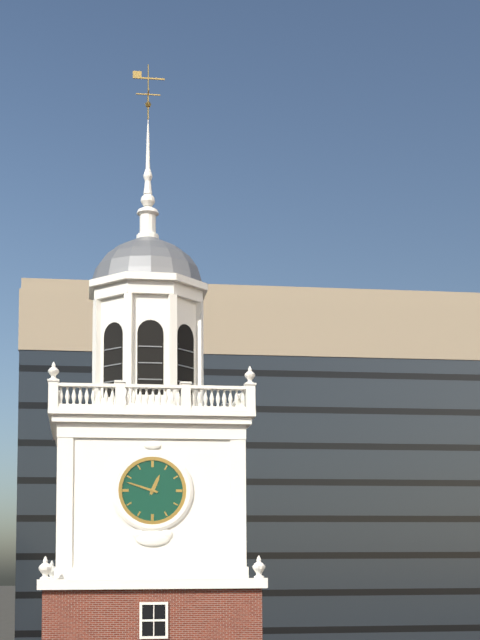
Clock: 12.48
